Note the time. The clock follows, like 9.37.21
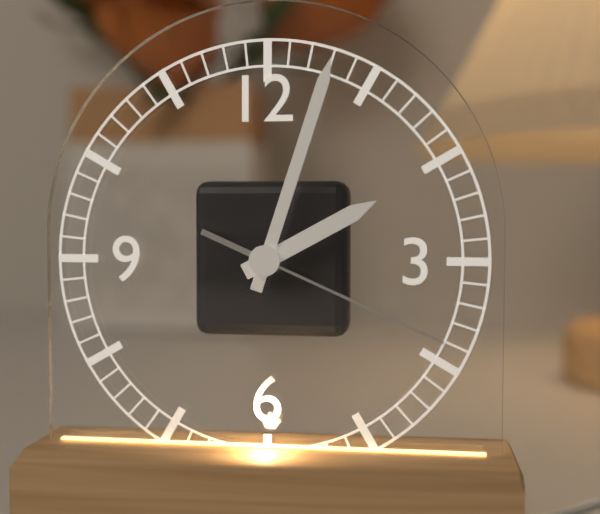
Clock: 2.03.19
